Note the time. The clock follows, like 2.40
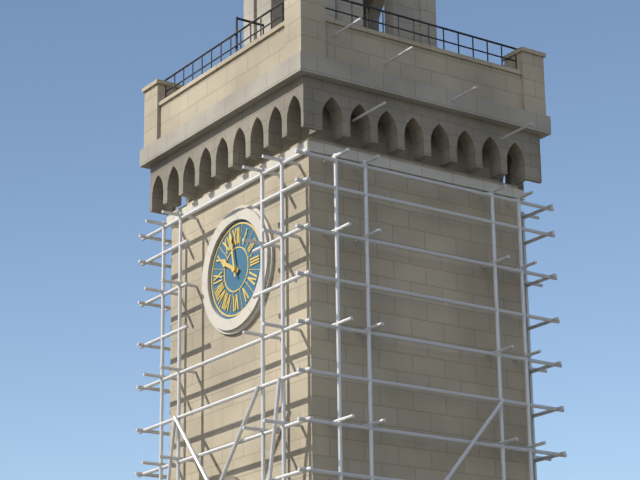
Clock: 9.58
